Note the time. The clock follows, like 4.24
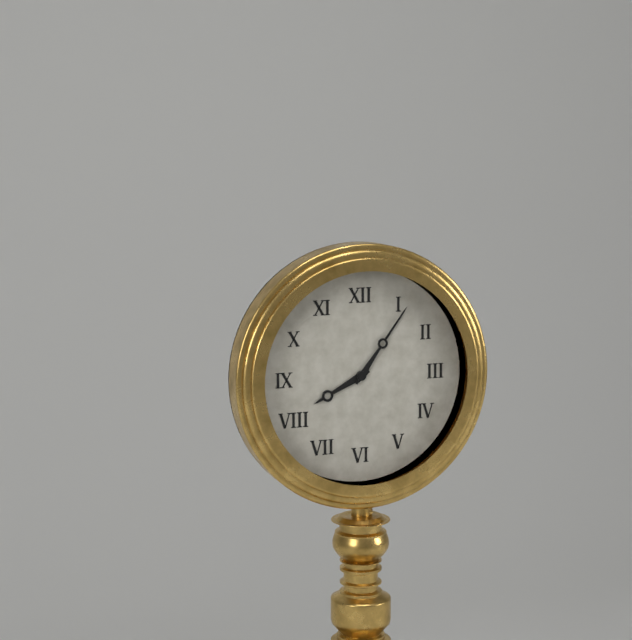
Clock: 8.06
